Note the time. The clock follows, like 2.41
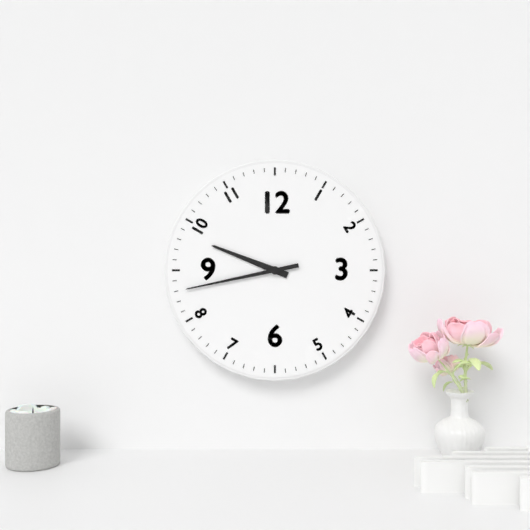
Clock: 9.43
